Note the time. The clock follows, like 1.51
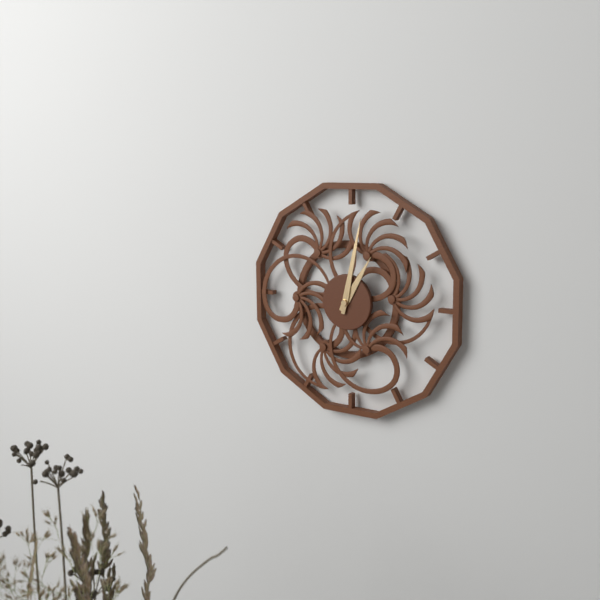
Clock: 1.02
